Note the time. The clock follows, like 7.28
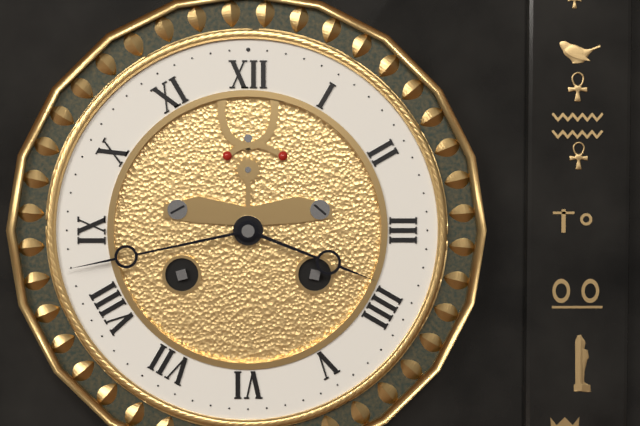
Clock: 3.43
